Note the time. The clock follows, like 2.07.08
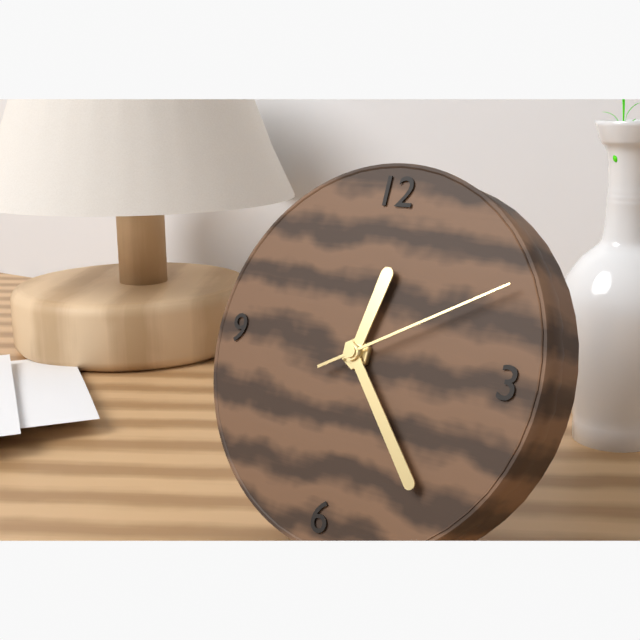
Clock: 12.23.10
